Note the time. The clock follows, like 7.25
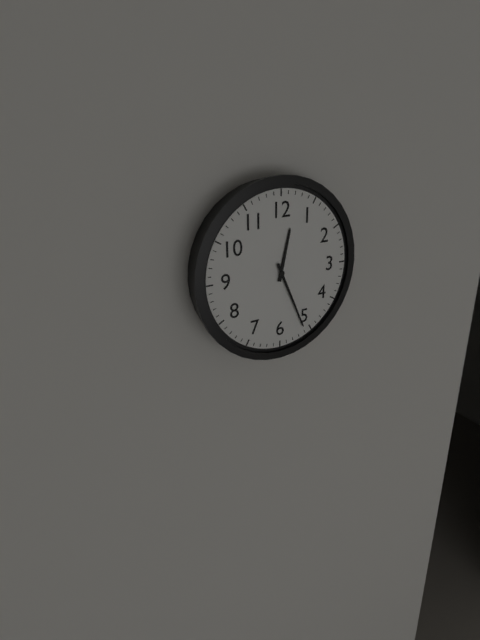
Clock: 12.26
